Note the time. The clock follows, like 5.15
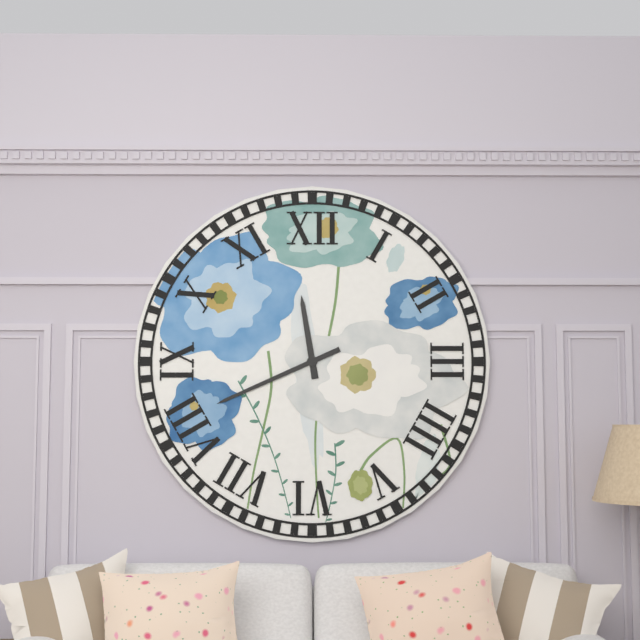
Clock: 11.41
